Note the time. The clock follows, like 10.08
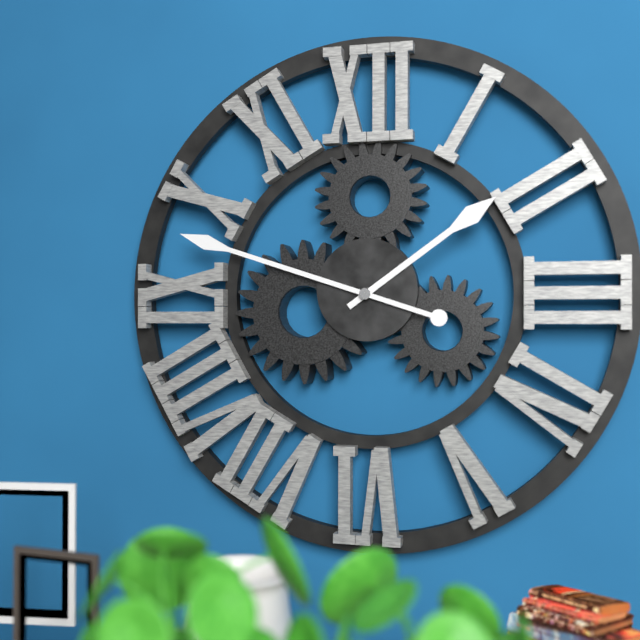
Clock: 1.48
